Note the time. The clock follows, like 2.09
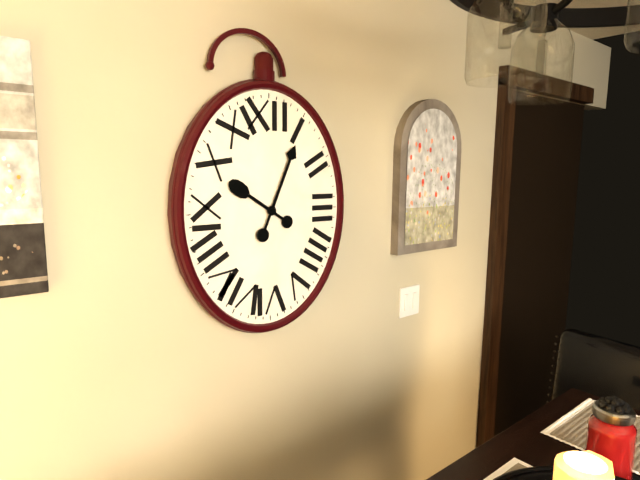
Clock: 10.04
